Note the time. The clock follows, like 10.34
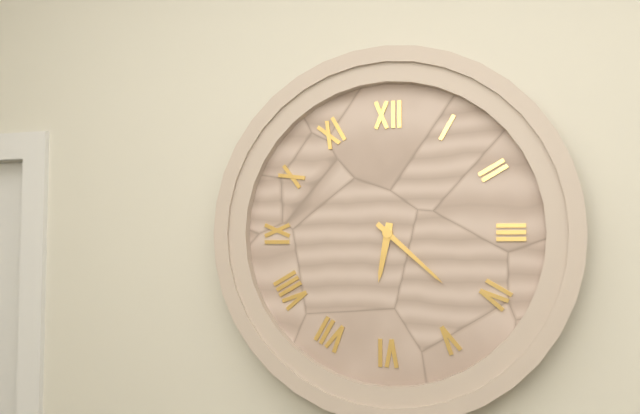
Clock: 6.22
